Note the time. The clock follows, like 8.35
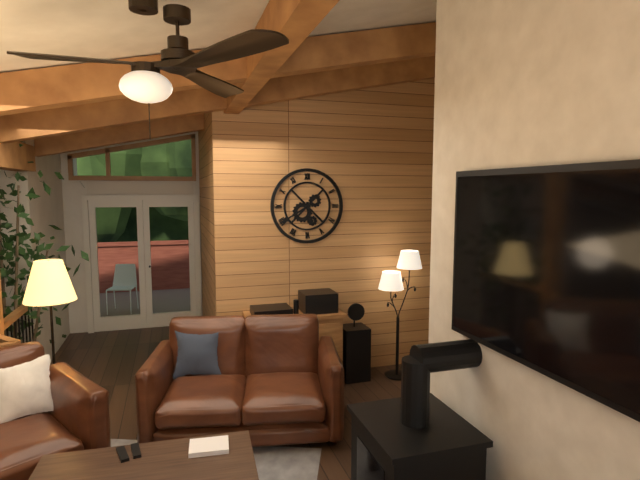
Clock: 5.40
